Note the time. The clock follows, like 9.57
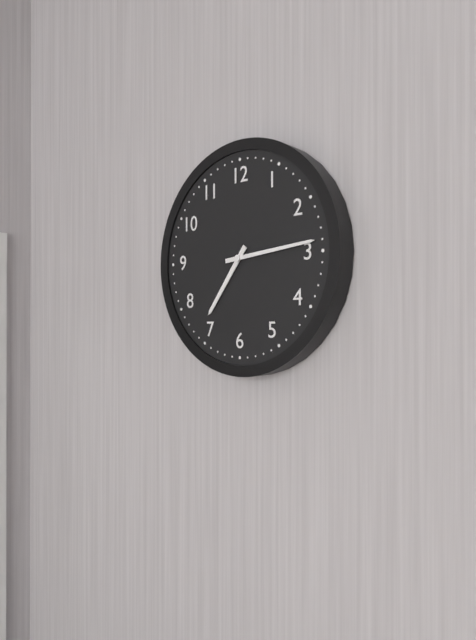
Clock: 7.14
